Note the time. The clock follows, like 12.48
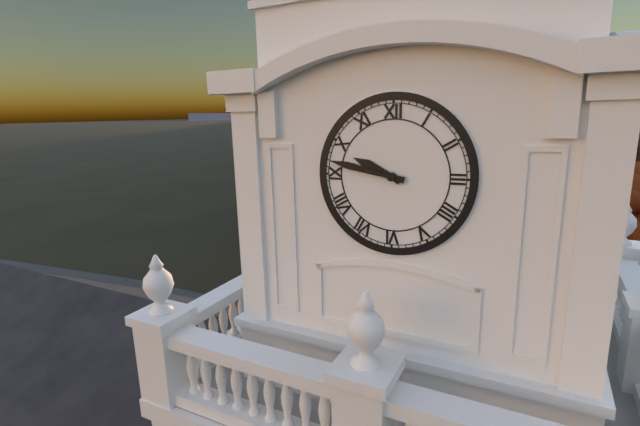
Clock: 9.47
